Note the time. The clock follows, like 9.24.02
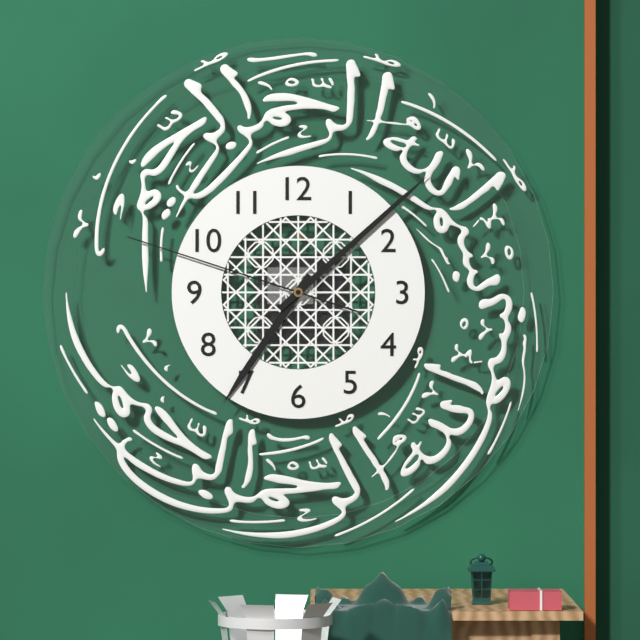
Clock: 7.08.48
